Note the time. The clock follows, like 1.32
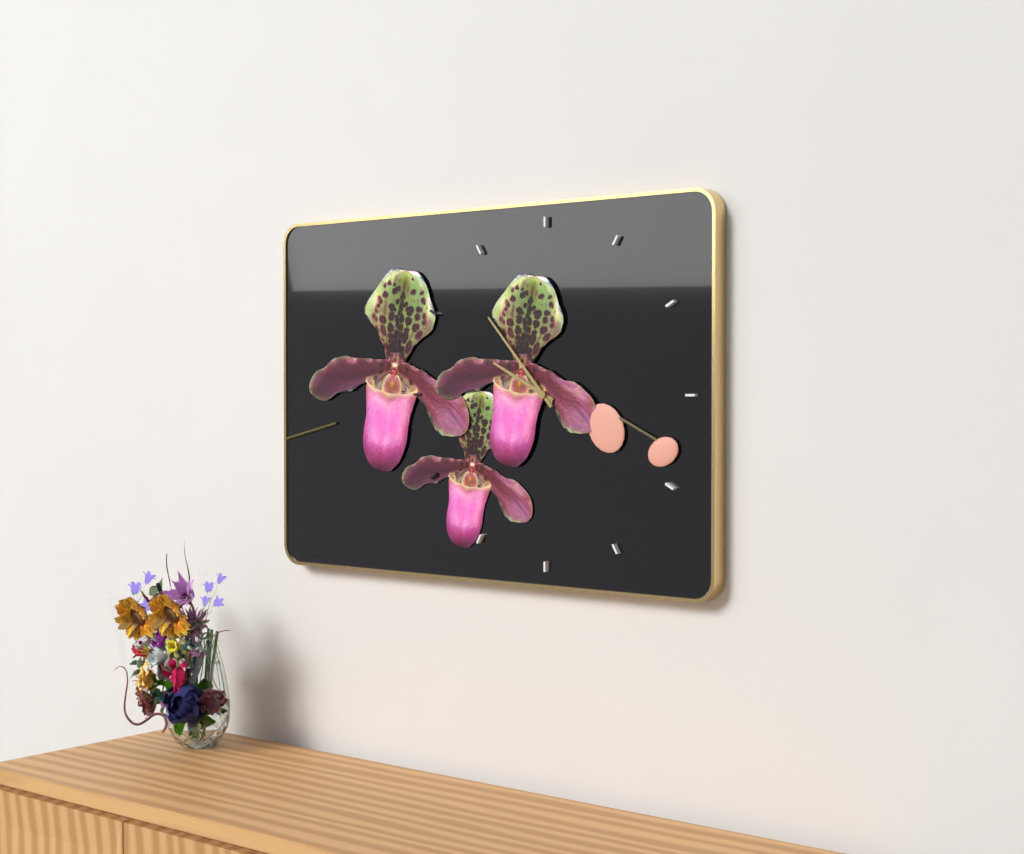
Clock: 9.53
